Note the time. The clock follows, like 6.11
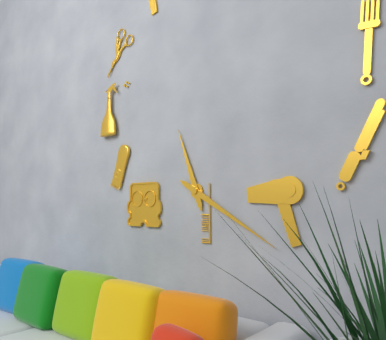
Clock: 11.20
